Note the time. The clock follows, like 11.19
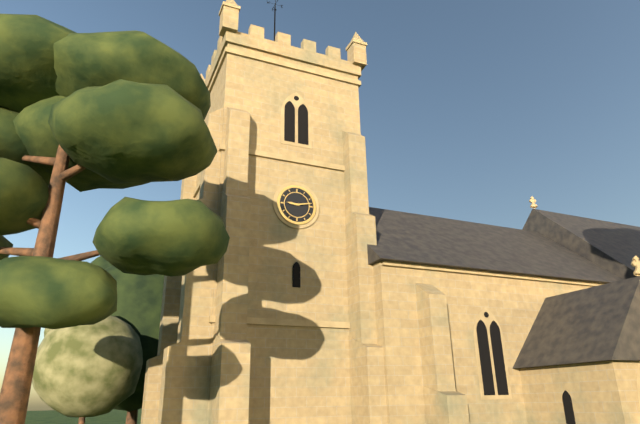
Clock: 9.13
